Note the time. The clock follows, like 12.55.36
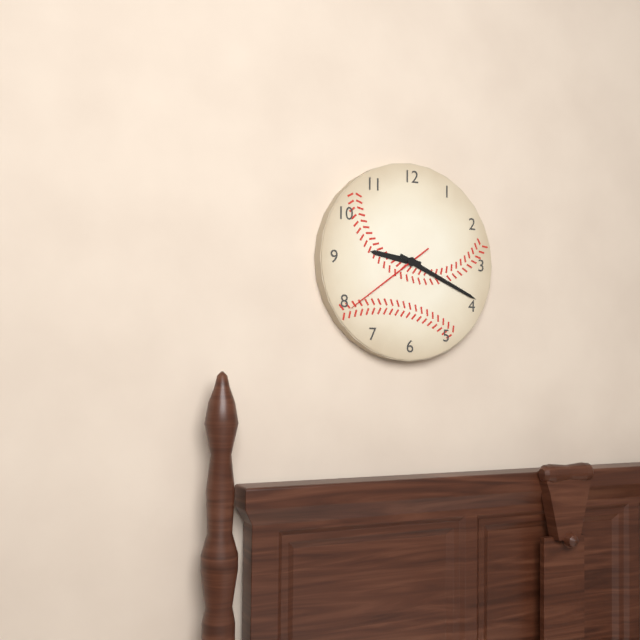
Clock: 9.19.39
